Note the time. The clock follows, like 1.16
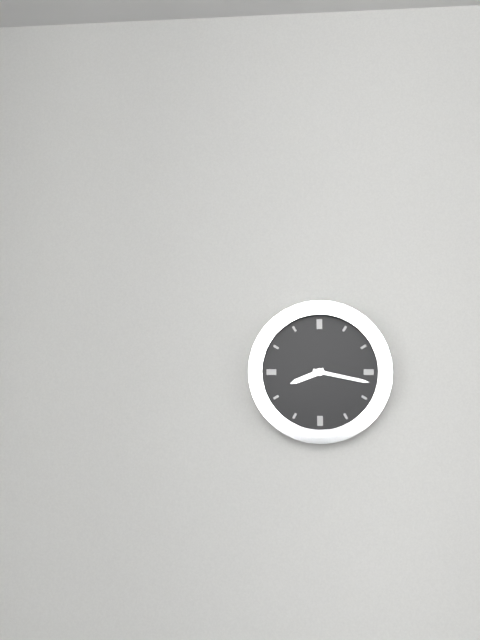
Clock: 8.17
